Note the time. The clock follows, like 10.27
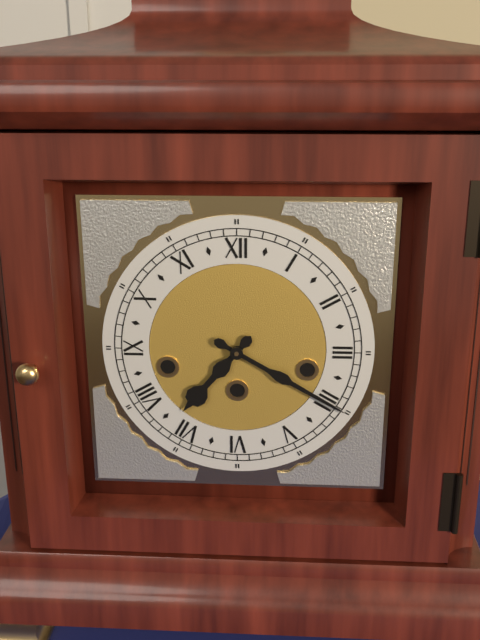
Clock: 7.20
